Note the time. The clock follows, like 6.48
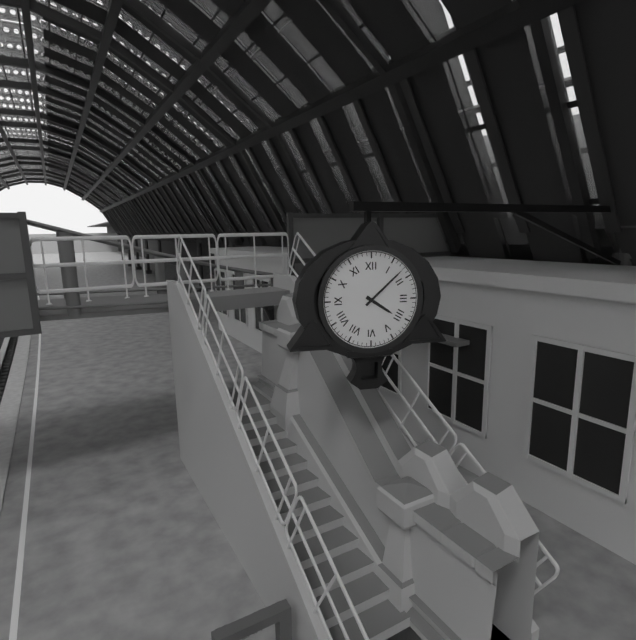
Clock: 4.08
